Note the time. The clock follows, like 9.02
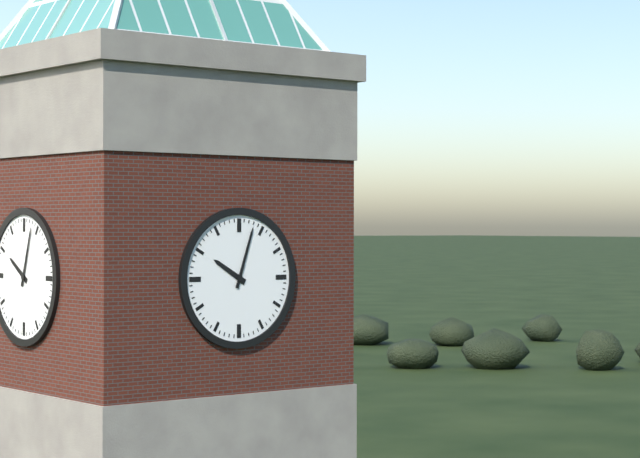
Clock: 10.03
